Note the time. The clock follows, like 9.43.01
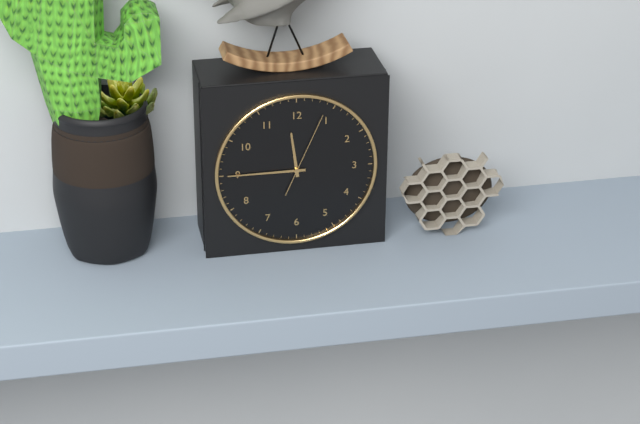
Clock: 11.45.04
